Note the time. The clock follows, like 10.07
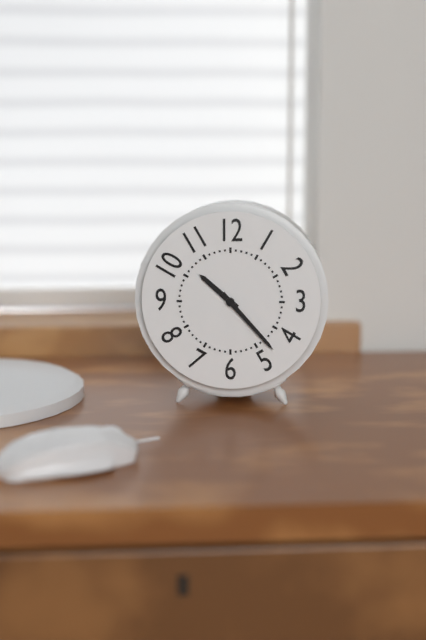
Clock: 10.23
